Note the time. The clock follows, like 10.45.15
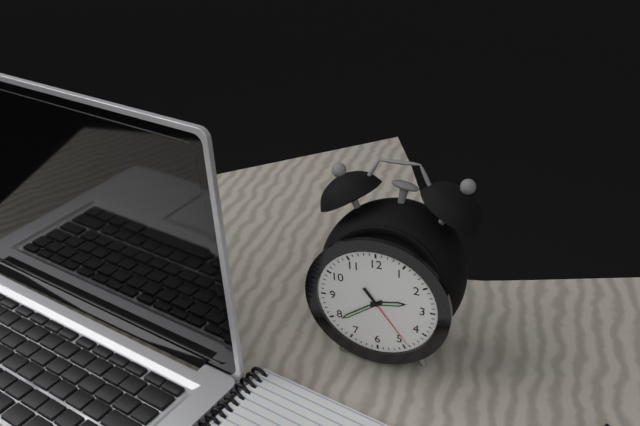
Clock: 2.39.24
